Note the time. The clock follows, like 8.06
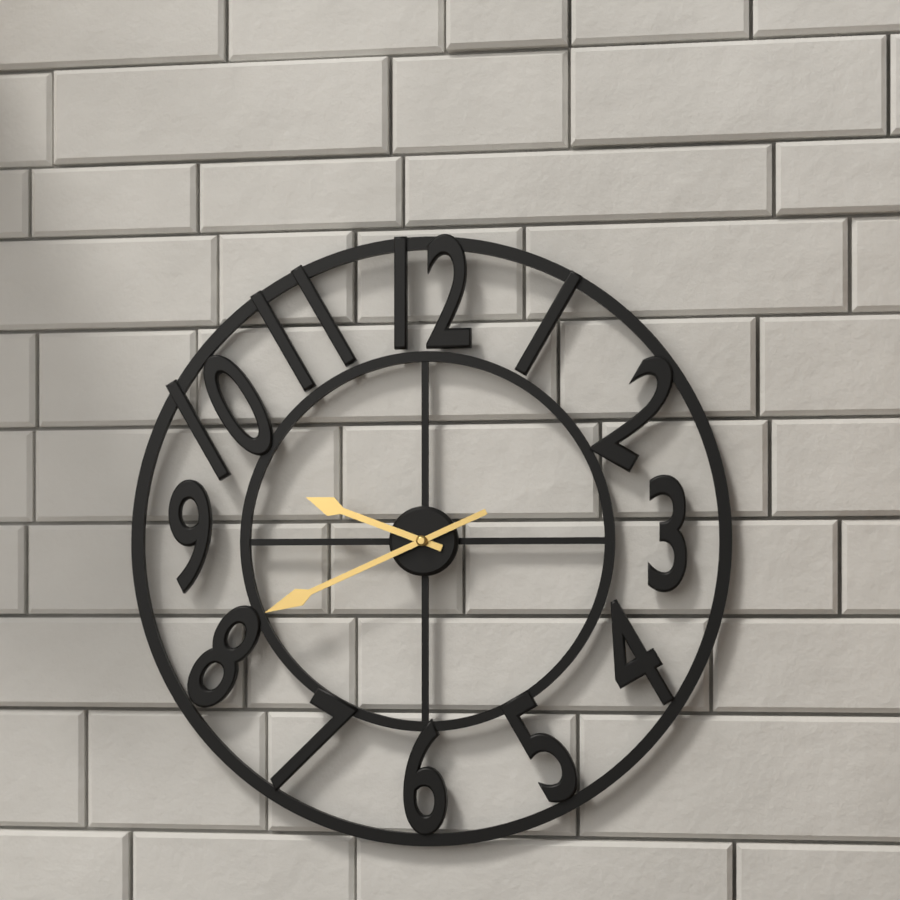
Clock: 9.41
